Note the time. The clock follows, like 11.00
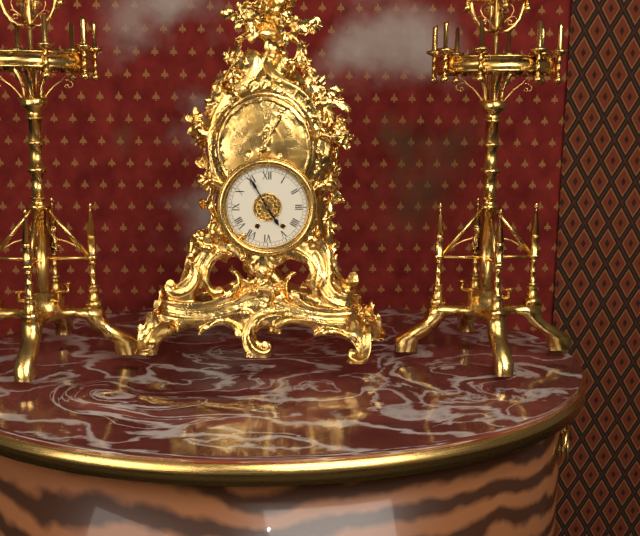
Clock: 4.55
